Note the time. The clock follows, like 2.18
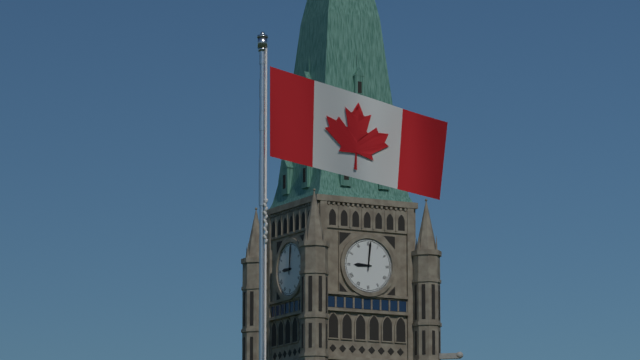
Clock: 9.01
